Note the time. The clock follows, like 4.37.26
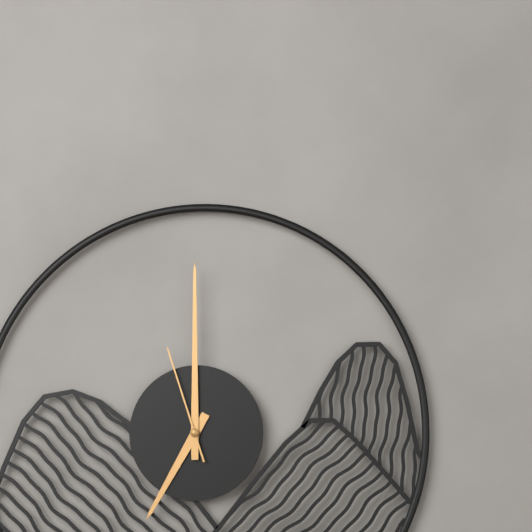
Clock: 7.00.57
